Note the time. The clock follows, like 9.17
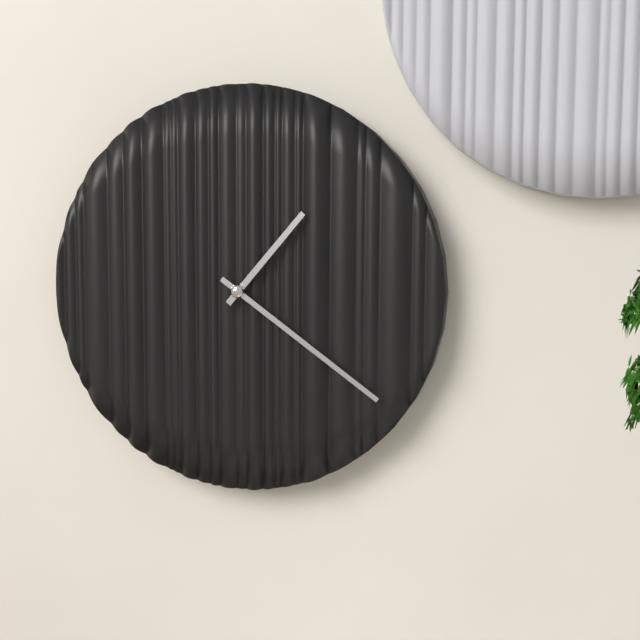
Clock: 1.21
